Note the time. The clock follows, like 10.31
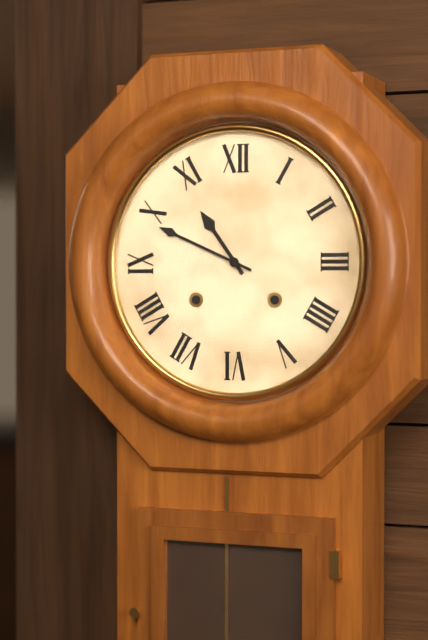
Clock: 10.49
